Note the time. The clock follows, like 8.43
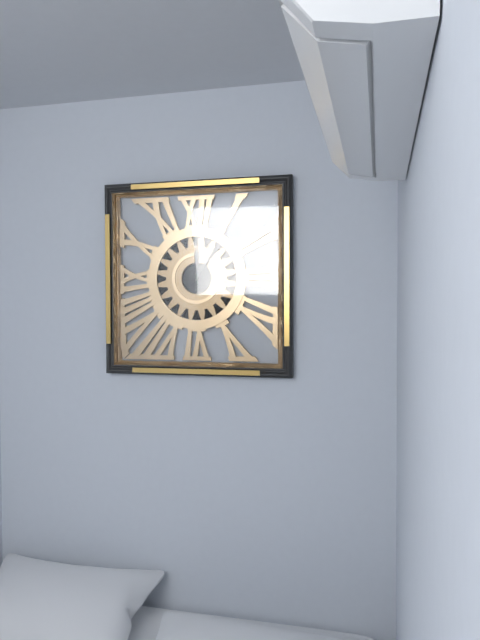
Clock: 12.06
